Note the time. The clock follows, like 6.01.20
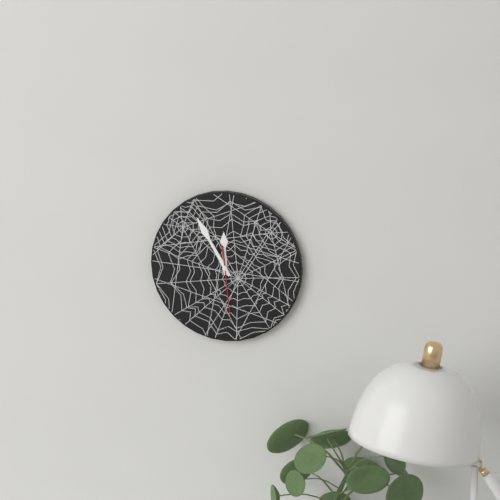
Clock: 11.55.29
